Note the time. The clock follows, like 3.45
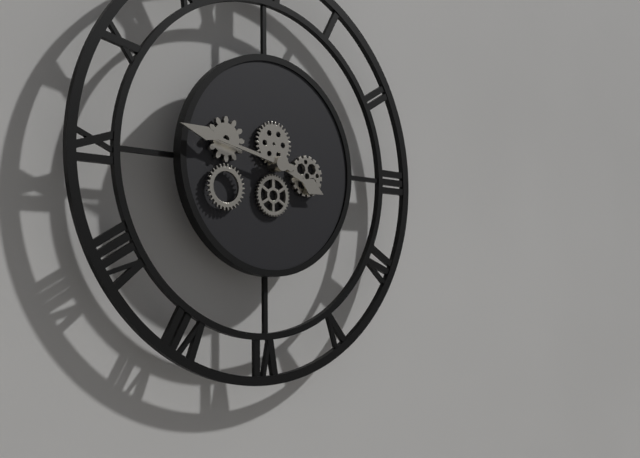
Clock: 3.47
